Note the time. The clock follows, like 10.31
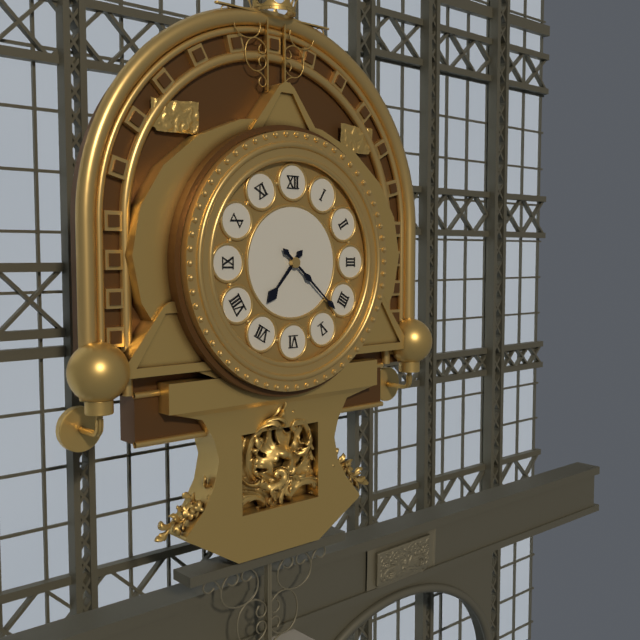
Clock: 7.22
